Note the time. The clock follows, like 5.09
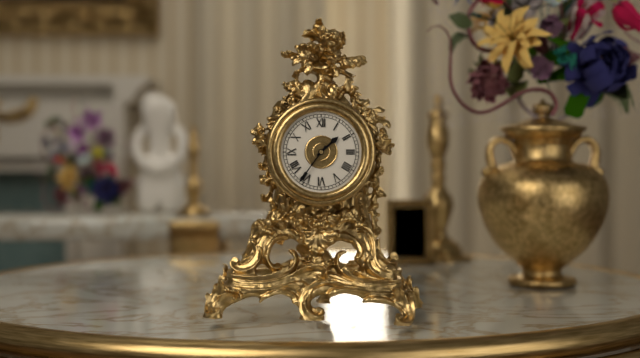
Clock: 1.36
